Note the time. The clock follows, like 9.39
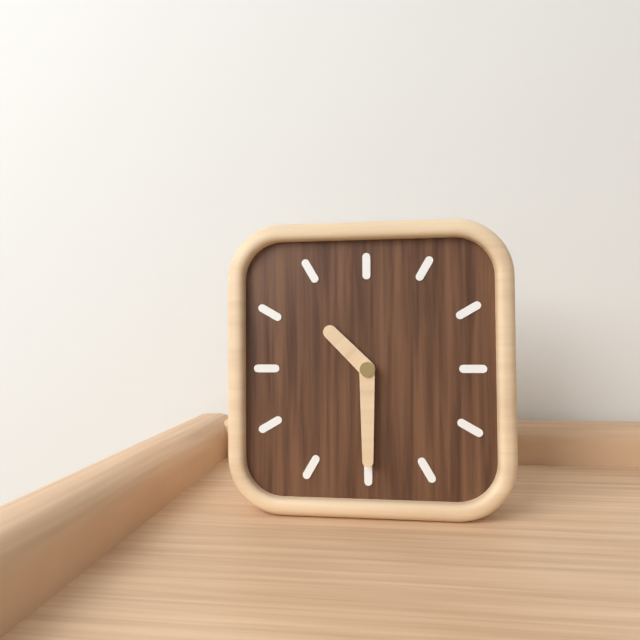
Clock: 10.30
